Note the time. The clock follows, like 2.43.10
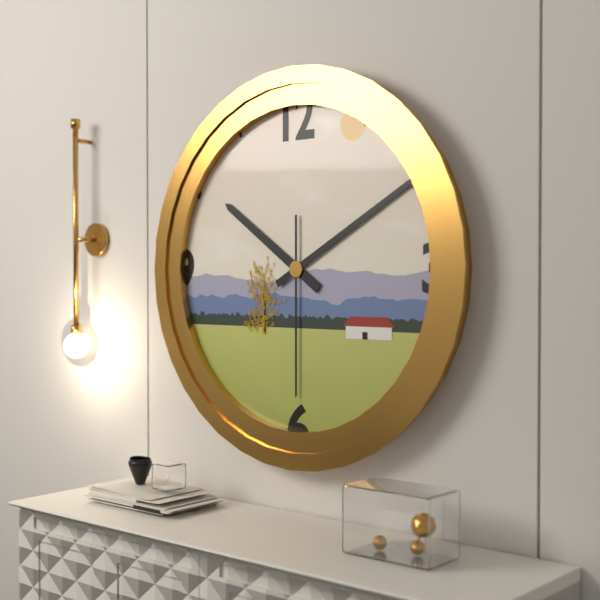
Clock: 10.10.30
